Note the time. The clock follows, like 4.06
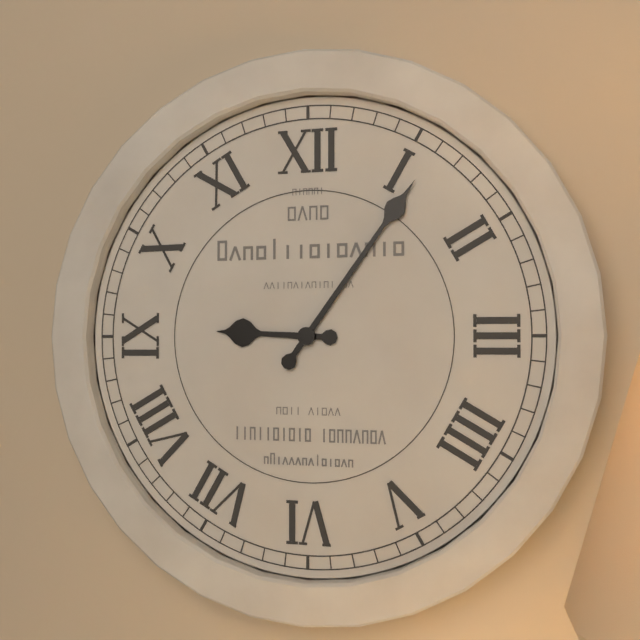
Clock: 9.06
